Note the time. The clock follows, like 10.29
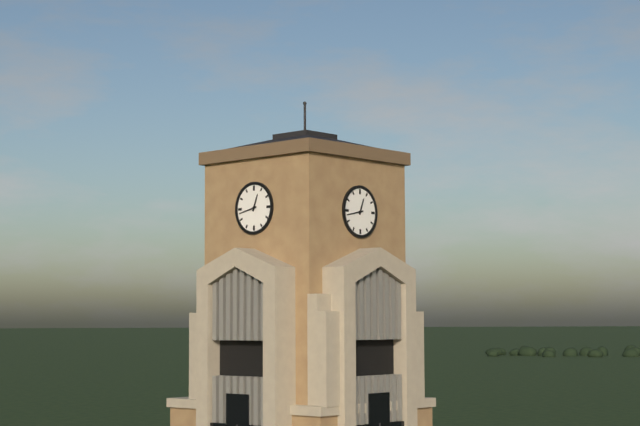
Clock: 12.43
